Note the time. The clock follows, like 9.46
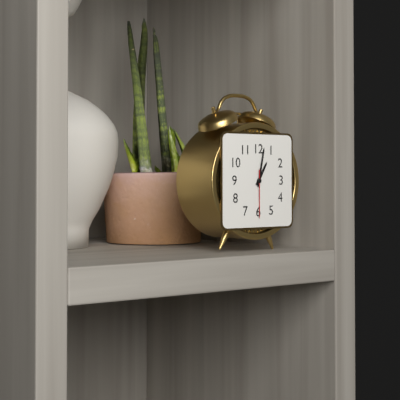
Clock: 1.02
